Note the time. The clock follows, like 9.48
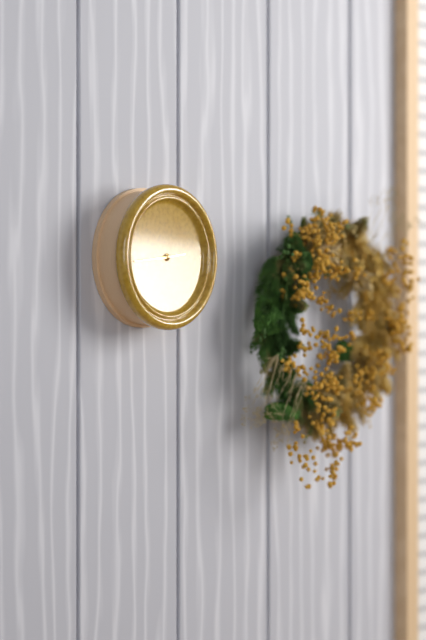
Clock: 2.44
